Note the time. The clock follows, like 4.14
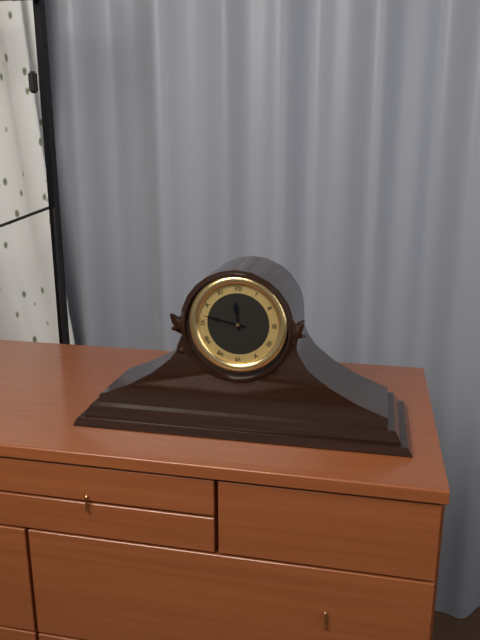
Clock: 11.47
